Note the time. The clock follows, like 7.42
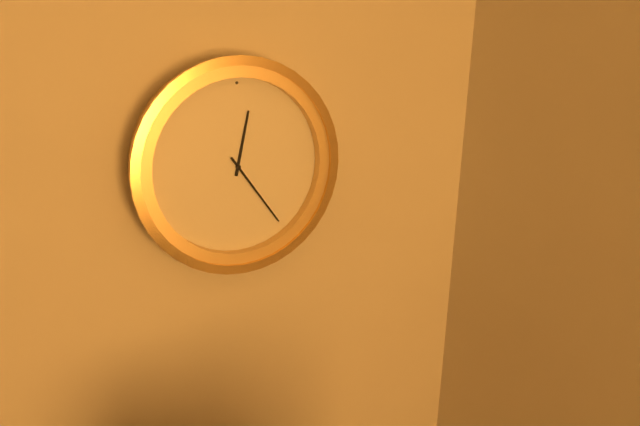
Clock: 12.24
